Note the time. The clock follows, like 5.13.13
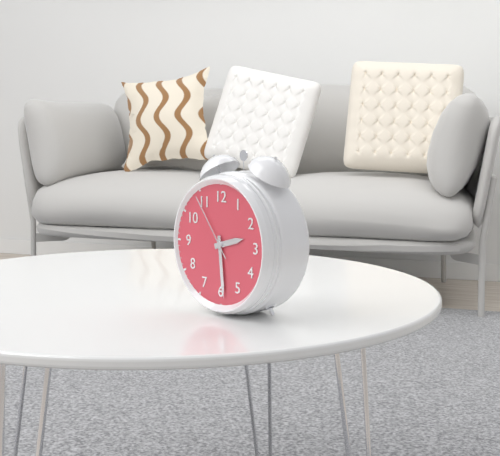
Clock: 2.29.54
